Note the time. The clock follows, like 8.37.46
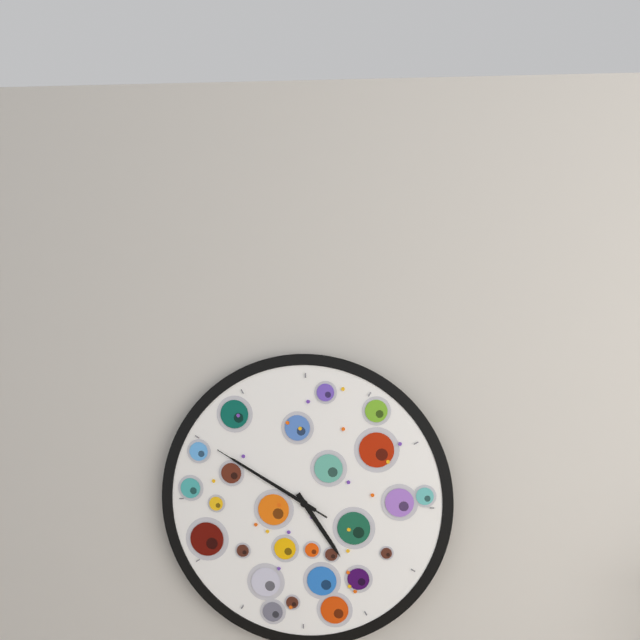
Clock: 4.50.50
